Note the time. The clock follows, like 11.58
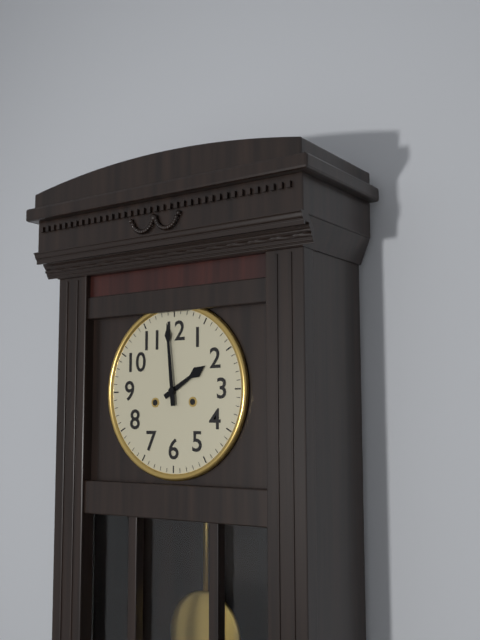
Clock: 1.59
